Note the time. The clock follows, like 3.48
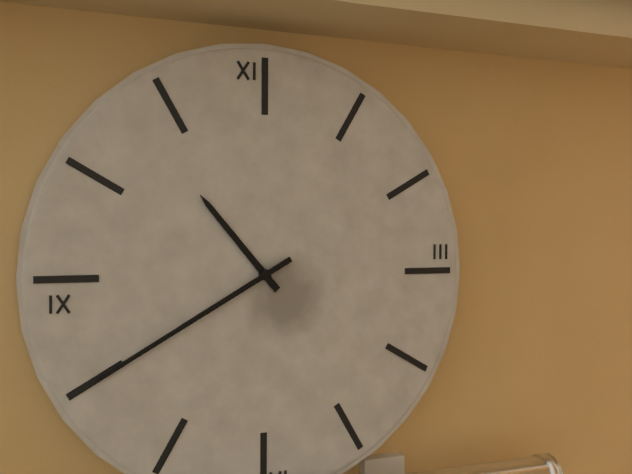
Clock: 10.40
